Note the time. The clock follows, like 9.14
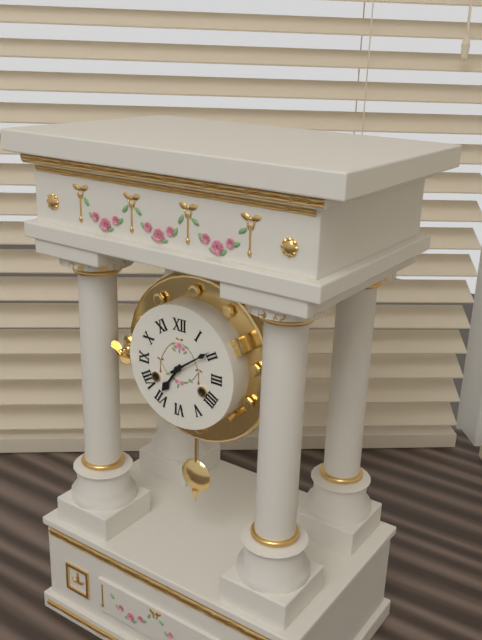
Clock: 7.09
